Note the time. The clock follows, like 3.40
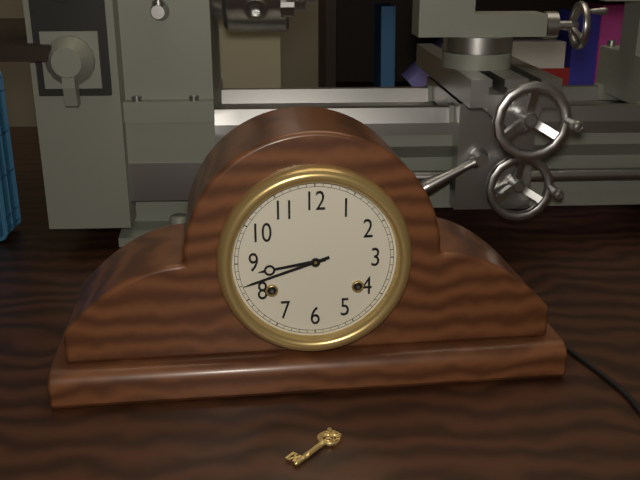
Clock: 8.42
